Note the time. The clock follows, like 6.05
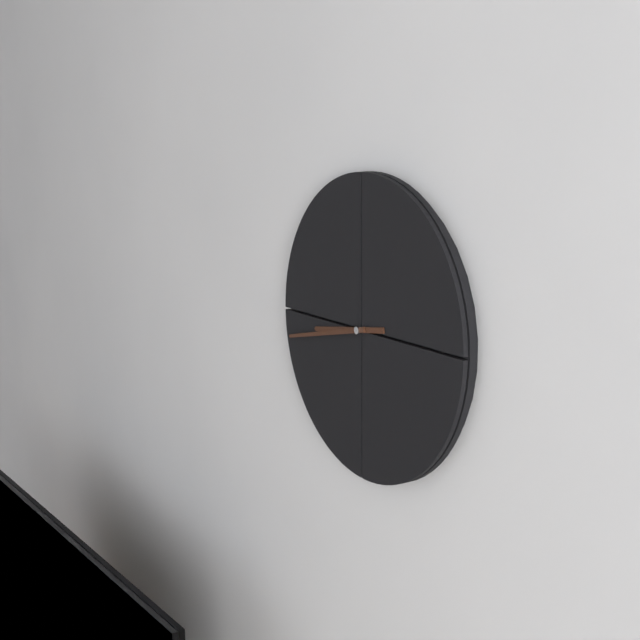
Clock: 8.43
